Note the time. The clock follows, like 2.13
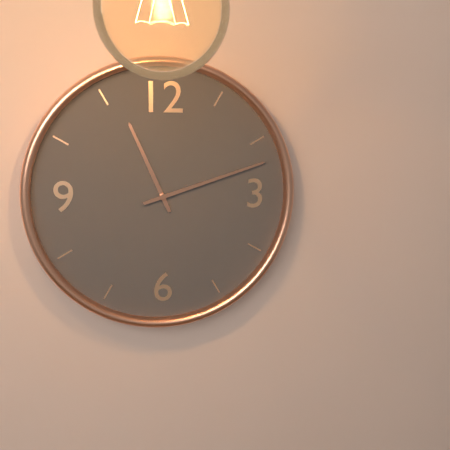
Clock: 11.12
